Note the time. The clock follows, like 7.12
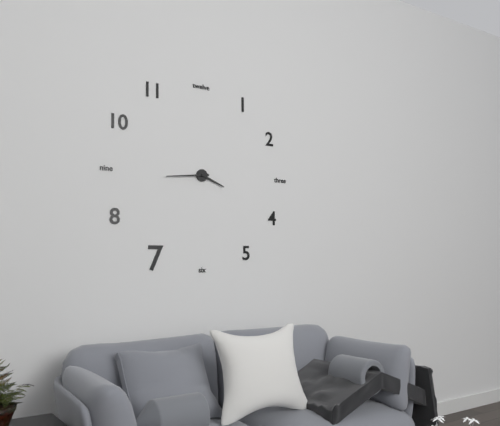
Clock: 3.44
